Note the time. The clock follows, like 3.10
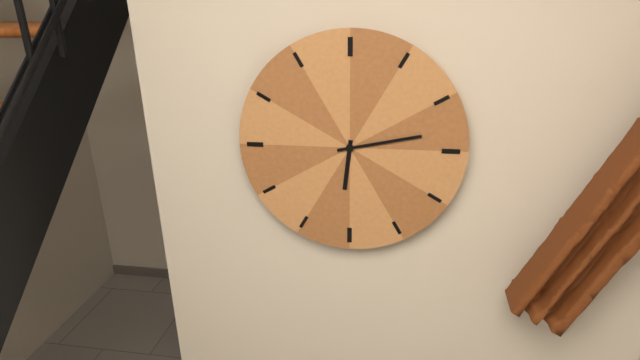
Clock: 6.13
